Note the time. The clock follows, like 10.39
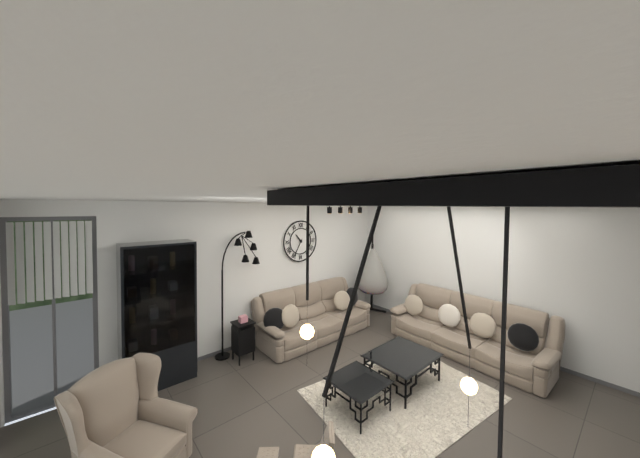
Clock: 10.35
